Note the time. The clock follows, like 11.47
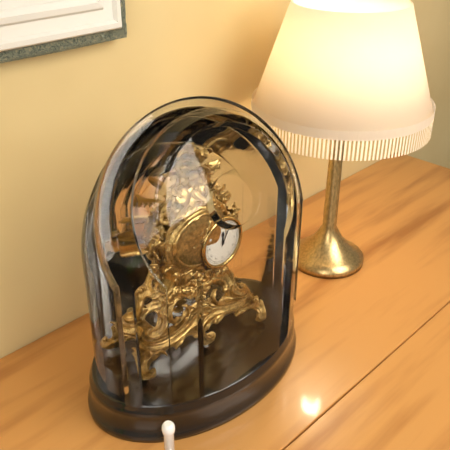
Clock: 12.05
